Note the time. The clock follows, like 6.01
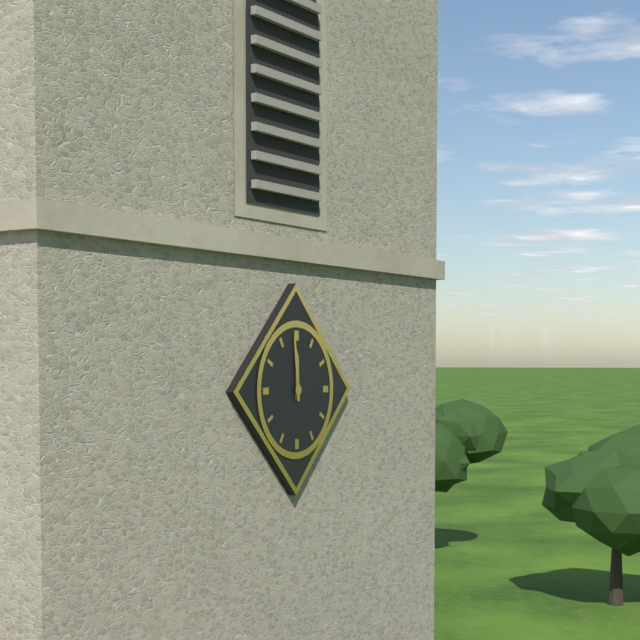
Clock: 11.59
